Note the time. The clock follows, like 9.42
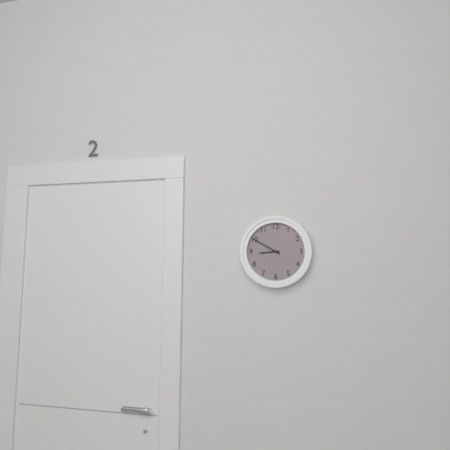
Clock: 8.50
